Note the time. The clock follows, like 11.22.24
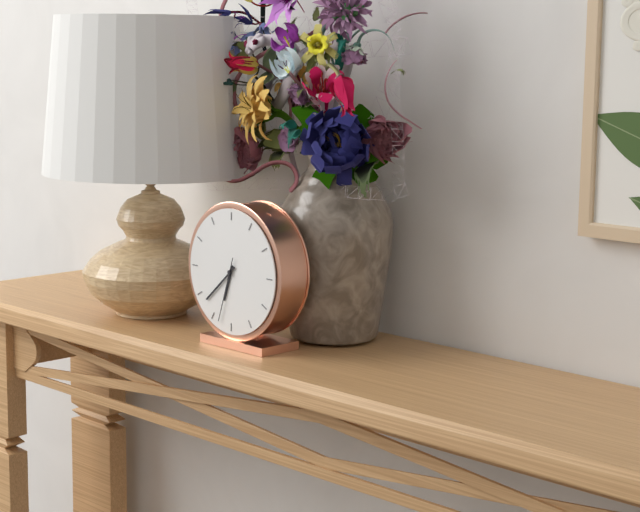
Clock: 6.38.33
